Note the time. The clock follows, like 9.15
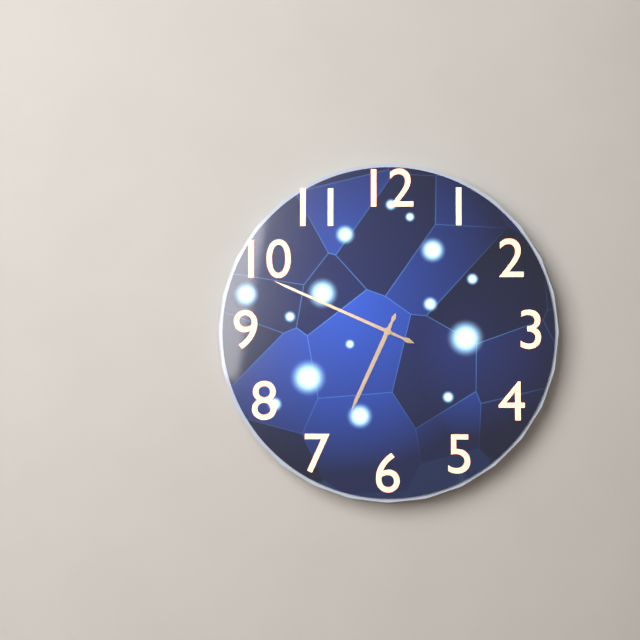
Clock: 6.49
